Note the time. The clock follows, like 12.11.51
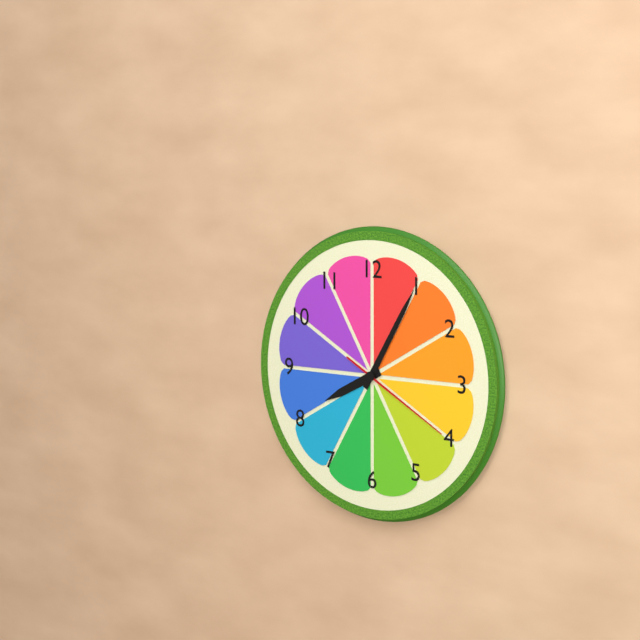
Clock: 8.05.20
